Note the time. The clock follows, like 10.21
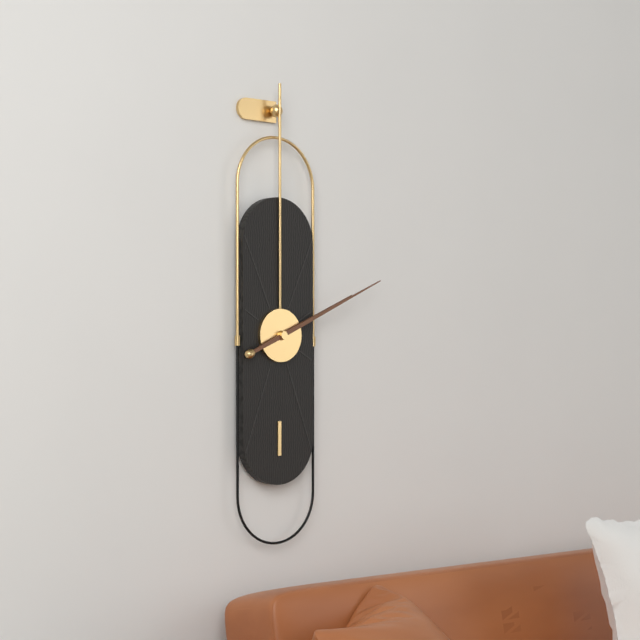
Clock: 2.11
